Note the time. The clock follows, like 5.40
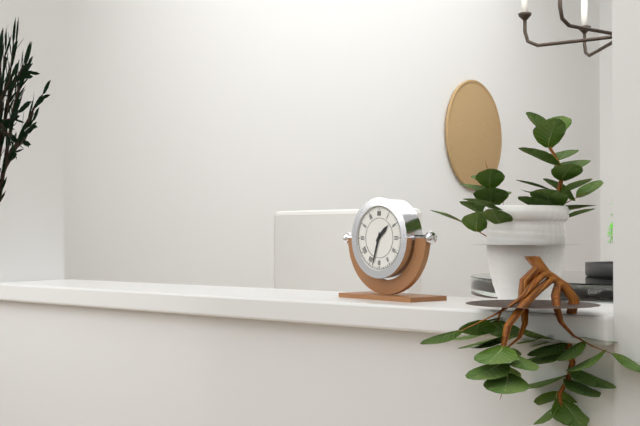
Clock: 1.33
